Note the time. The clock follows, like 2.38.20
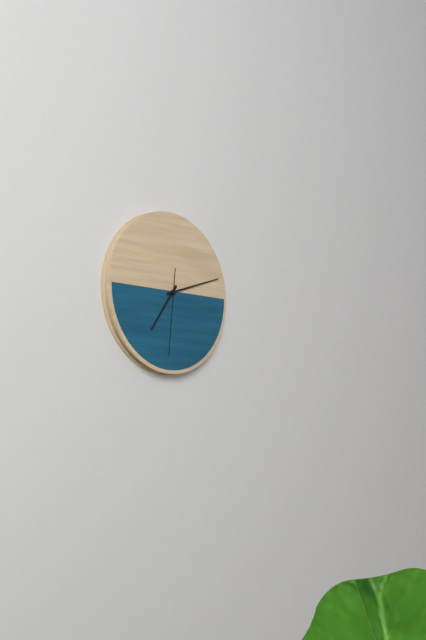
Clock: 7.12.31
